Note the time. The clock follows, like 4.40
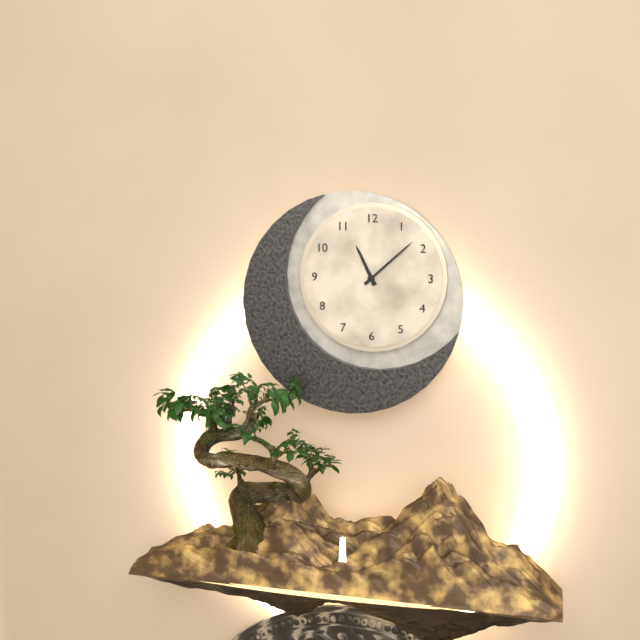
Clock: 11.08
